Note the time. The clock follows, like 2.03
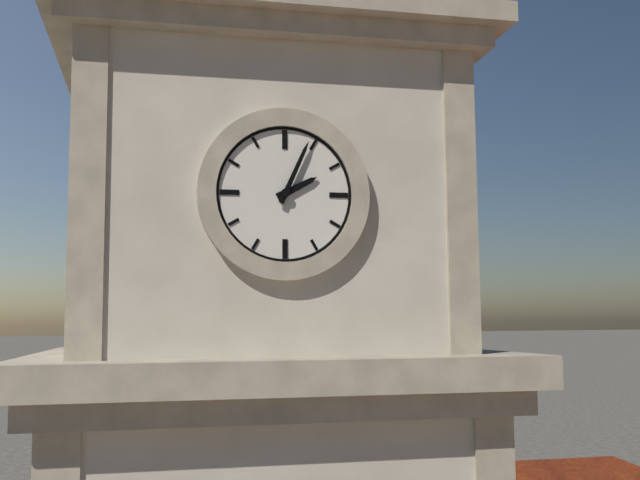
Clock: 2.04
